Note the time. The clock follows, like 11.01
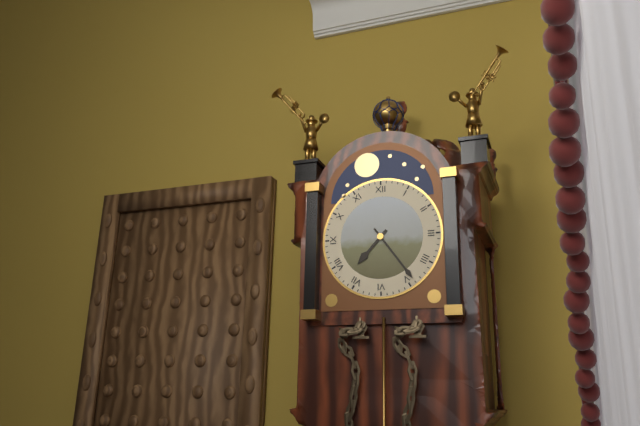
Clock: 7.24
